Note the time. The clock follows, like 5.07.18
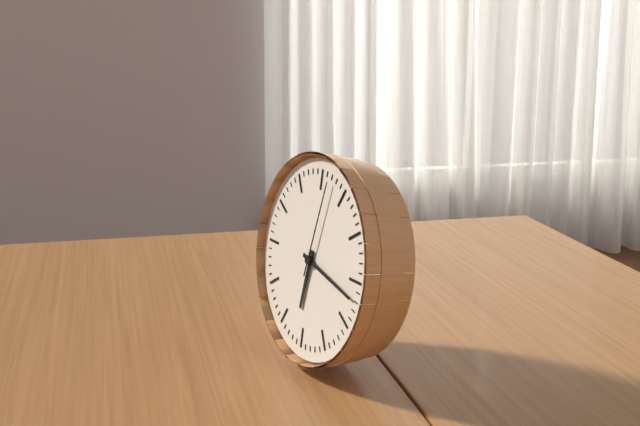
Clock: 6.17.02
